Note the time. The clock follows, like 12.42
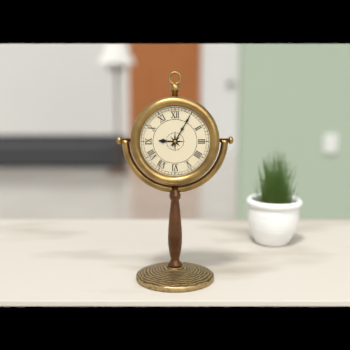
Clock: 9.05
